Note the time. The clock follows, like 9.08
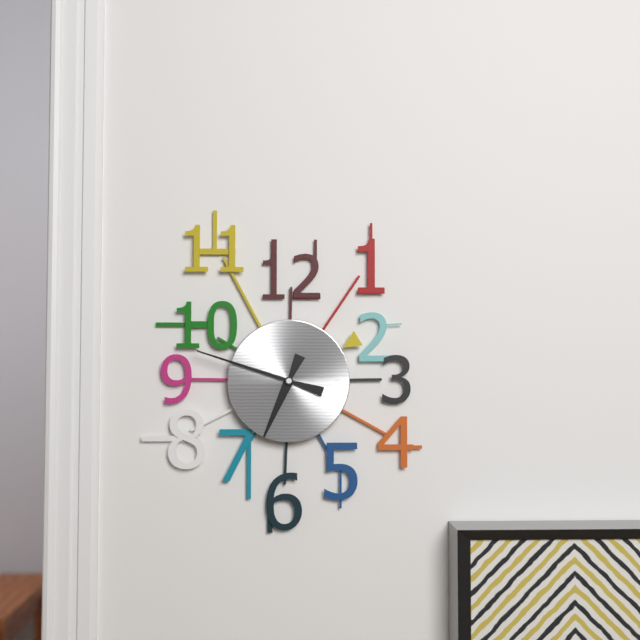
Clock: 6.48
